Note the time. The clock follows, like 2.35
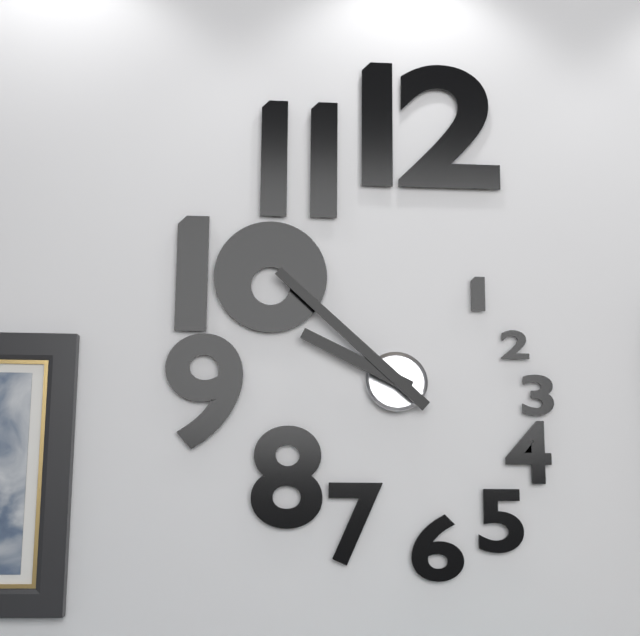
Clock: 9.52
